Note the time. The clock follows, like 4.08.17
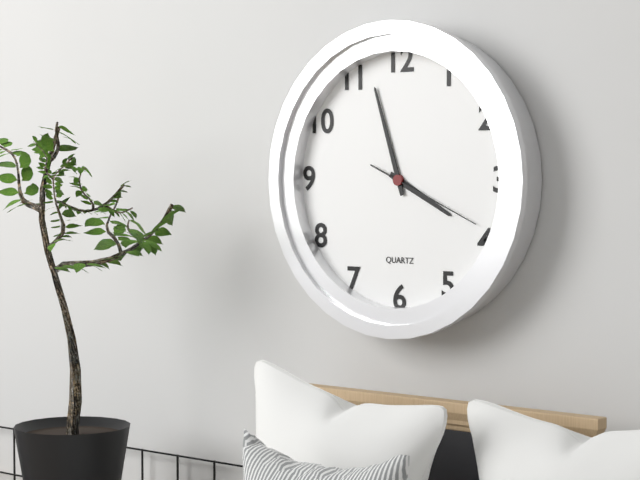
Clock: 3.57.19
